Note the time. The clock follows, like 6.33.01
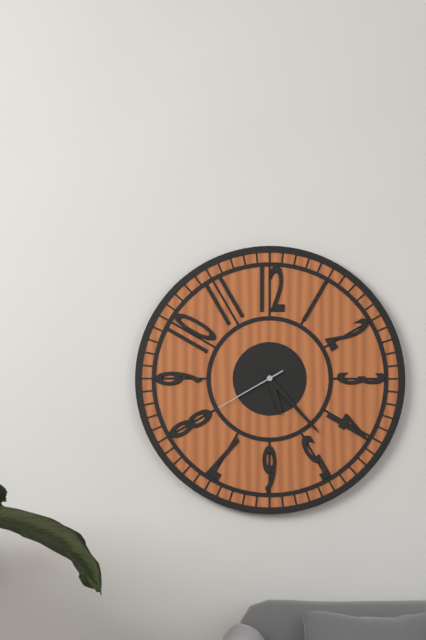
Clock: 5.23.40
